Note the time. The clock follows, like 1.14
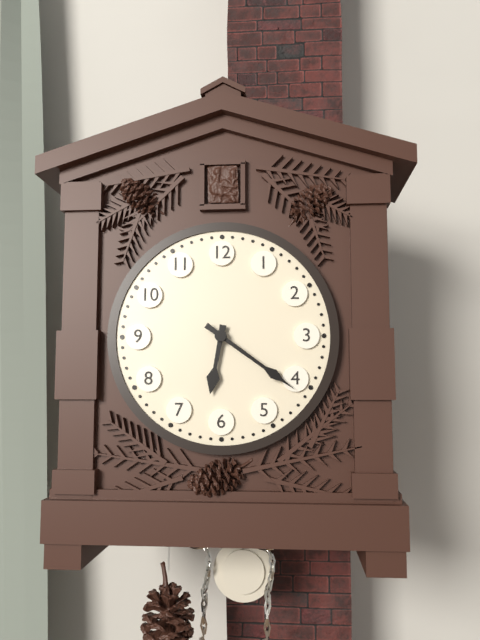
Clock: 6.21
